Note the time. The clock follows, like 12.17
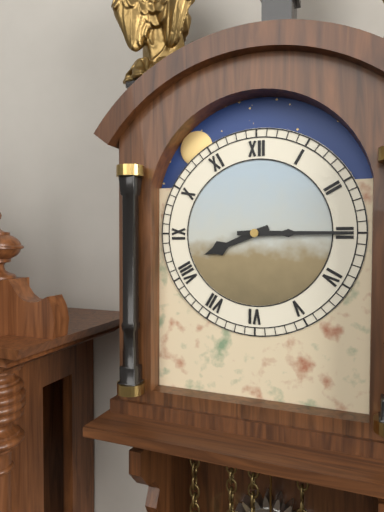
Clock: 8.15
